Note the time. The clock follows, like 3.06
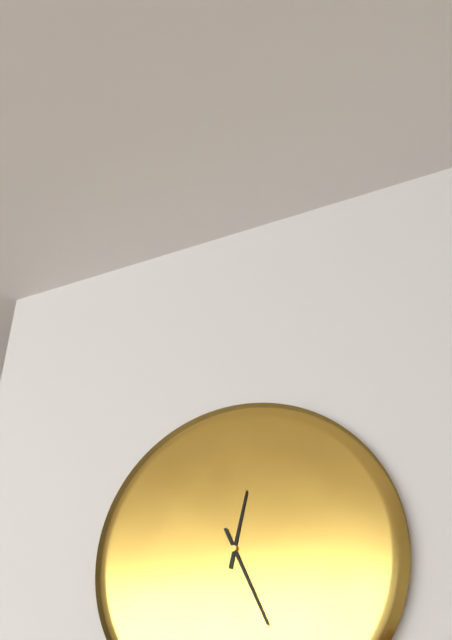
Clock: 12.26
